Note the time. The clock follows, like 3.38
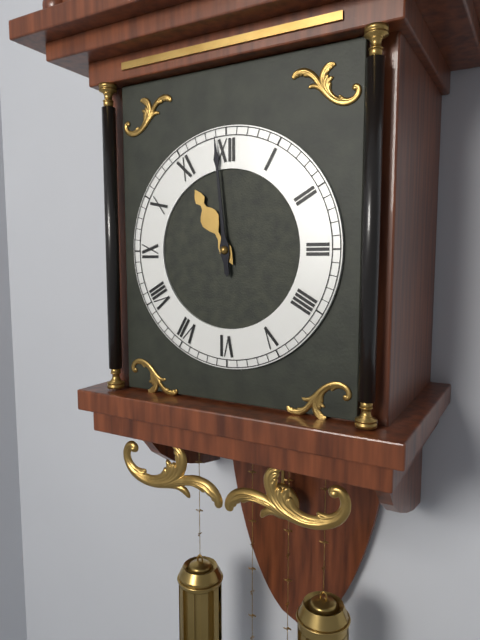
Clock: 10.59
